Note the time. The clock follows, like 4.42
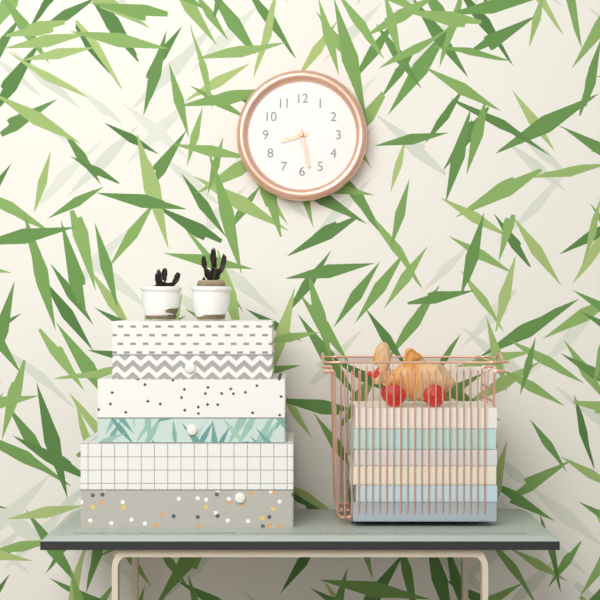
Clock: 8.28
